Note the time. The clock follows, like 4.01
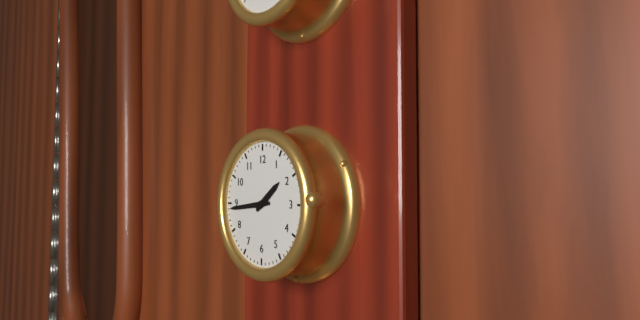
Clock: 1.44
